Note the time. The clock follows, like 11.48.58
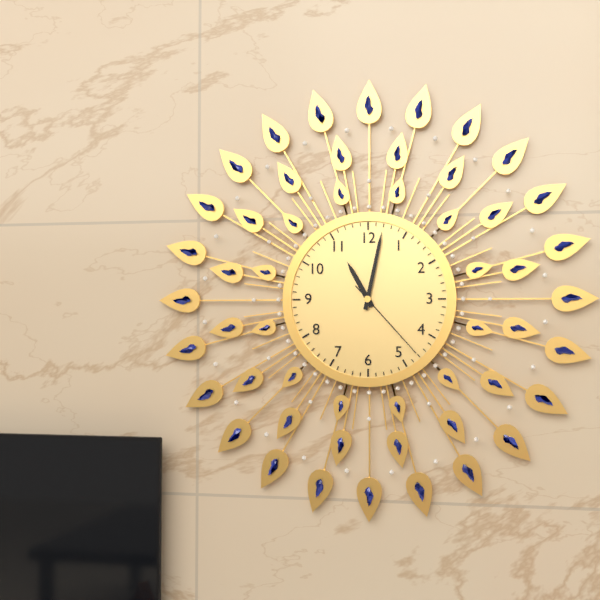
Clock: 11.02.23
